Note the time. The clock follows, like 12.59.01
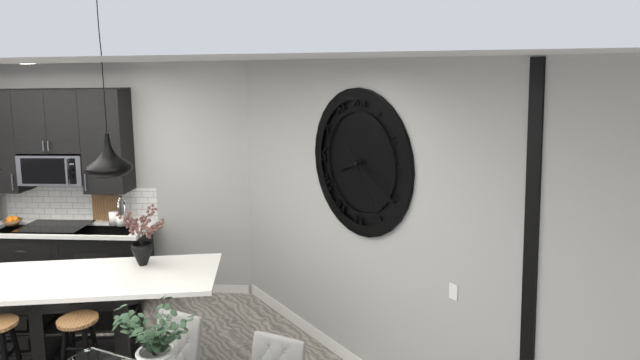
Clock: 8.20.24
